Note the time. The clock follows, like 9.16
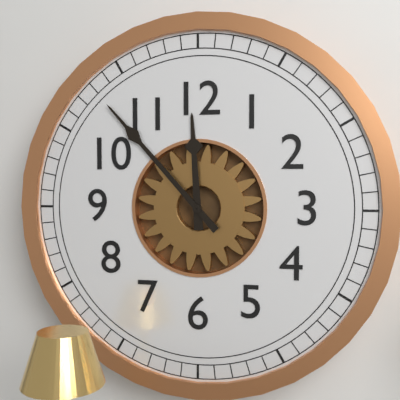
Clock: 11.53
